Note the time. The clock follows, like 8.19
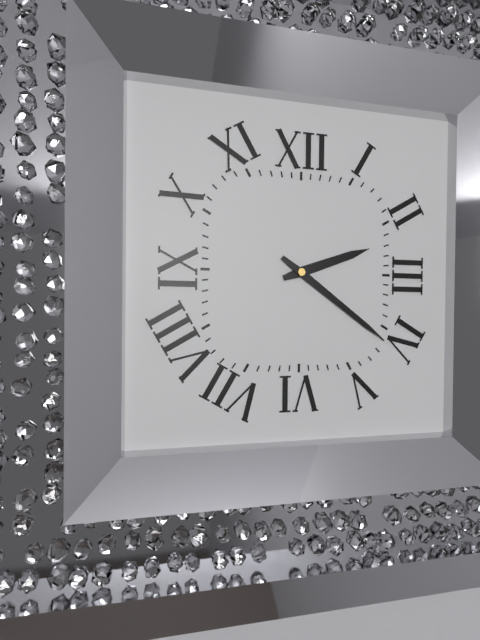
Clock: 2.21
